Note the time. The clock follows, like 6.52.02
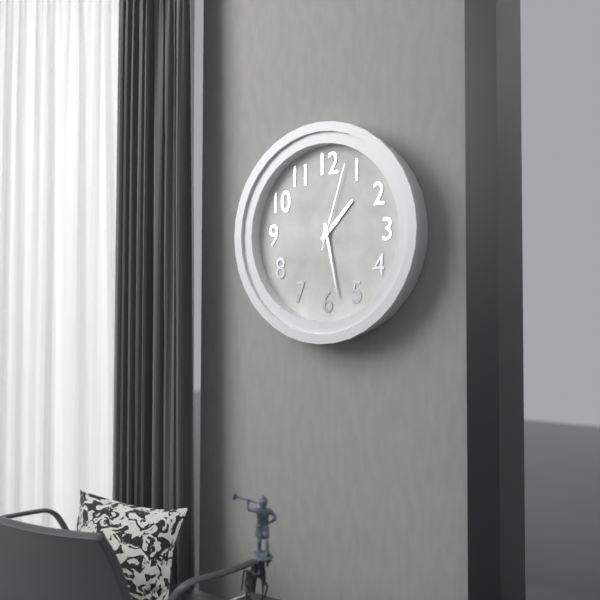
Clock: 1.28.03
